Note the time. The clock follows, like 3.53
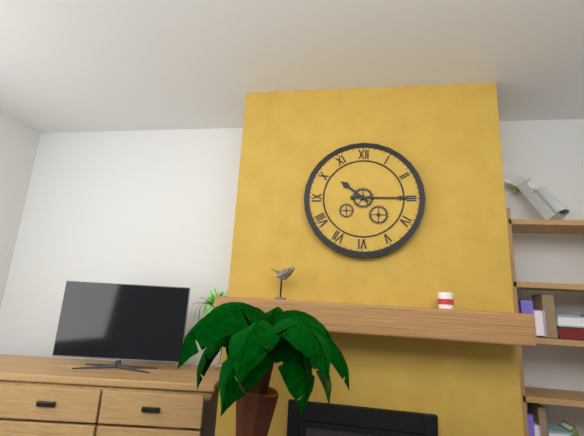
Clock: 10.15
